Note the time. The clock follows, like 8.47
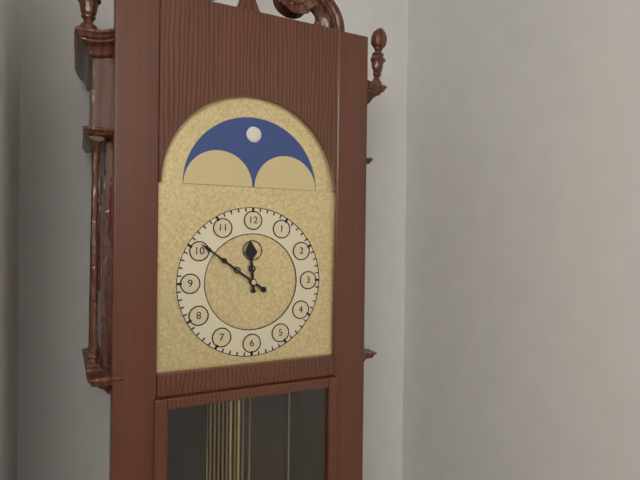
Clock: 11.51
